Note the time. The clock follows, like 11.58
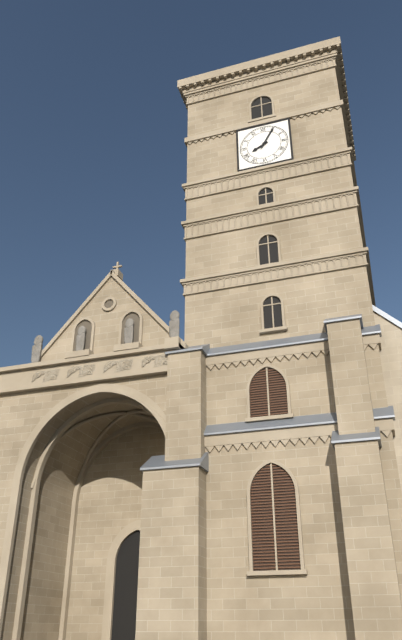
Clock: 8.05
